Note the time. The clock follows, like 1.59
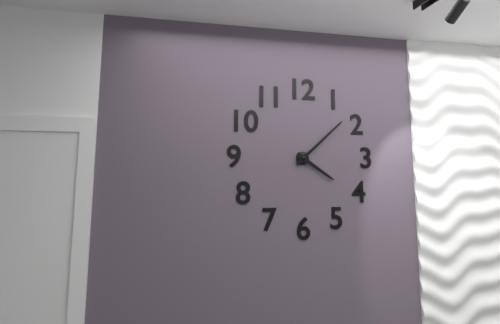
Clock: 4.08
